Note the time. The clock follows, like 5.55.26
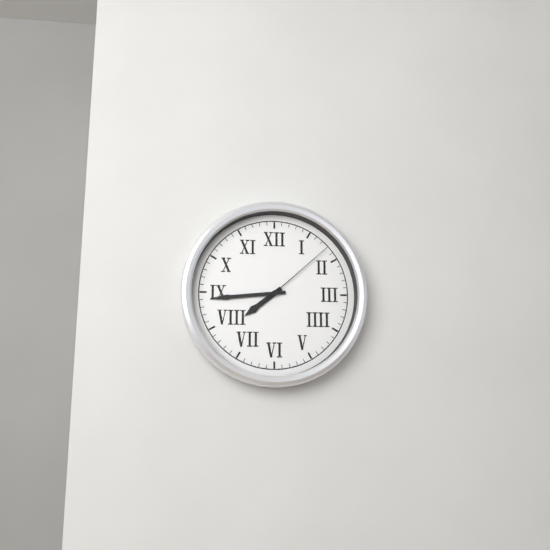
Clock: 7.44.08
